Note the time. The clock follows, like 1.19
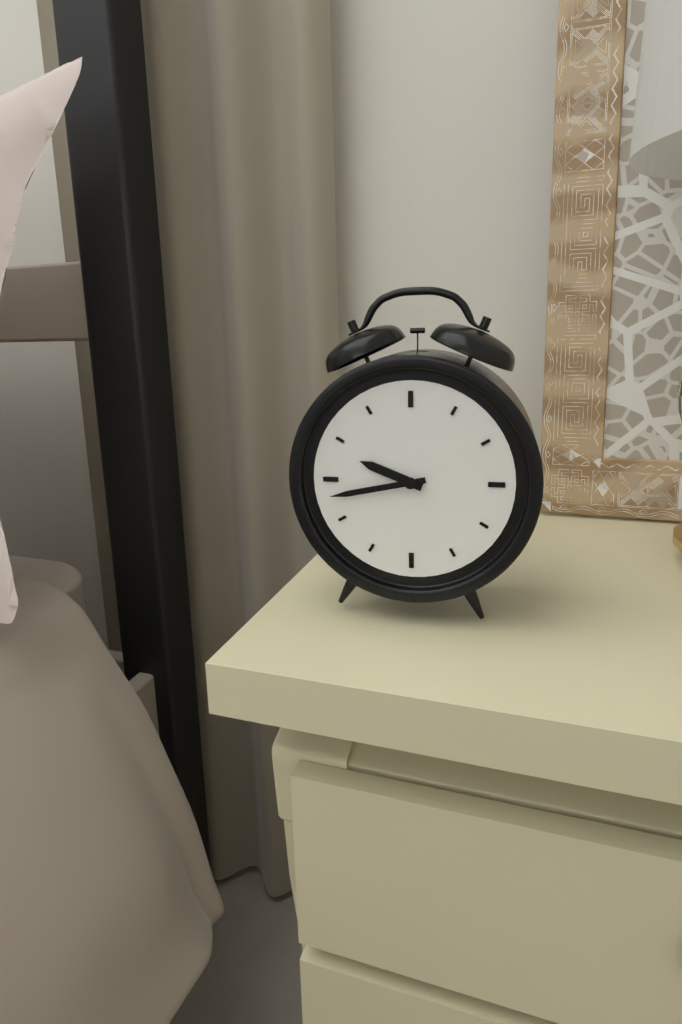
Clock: 9.43
